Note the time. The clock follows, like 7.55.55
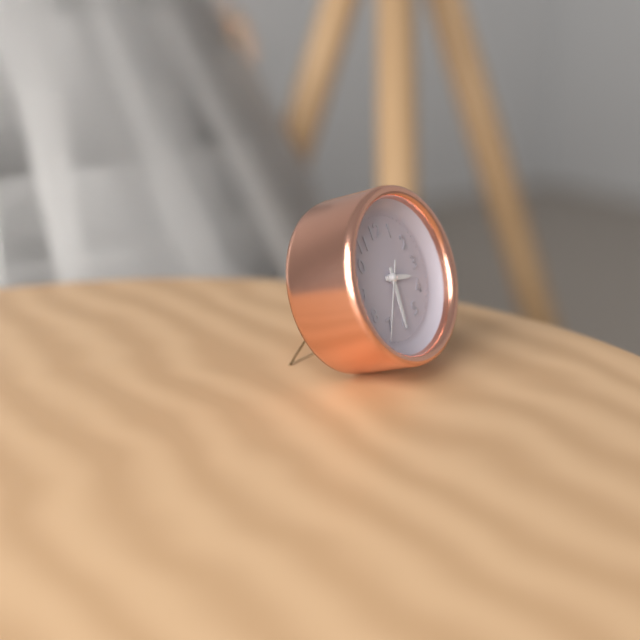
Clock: 3.31.36
